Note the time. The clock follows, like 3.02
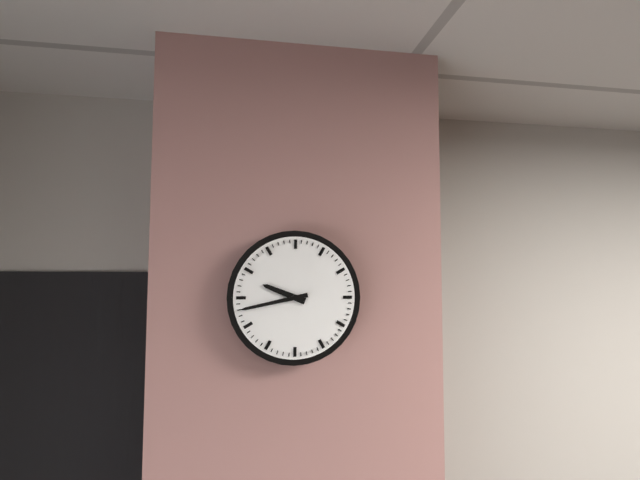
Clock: 9.43
